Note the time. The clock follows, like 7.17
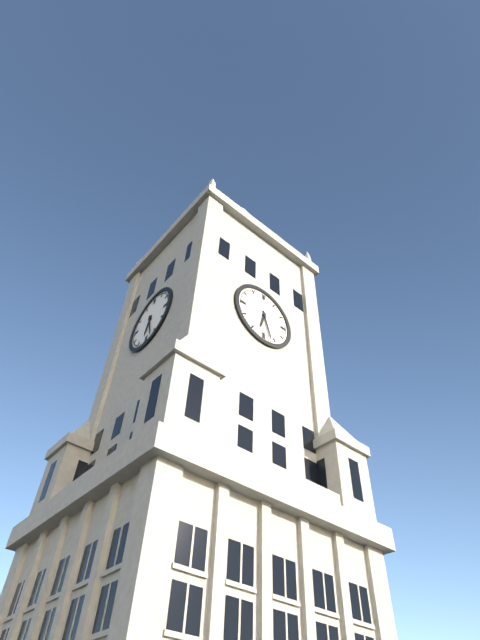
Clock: 6.27
